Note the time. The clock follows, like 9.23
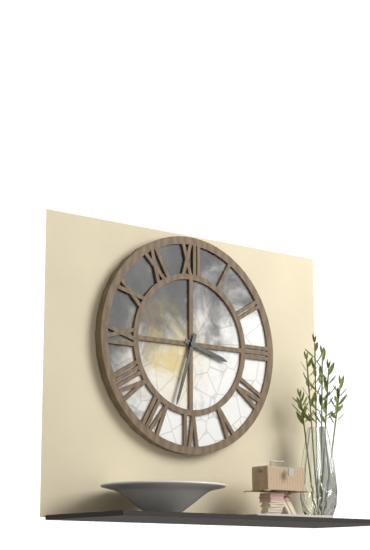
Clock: 3.33
